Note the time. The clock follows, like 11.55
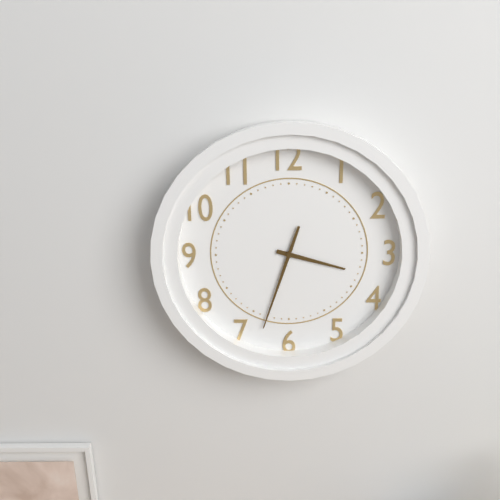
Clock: 3.33
